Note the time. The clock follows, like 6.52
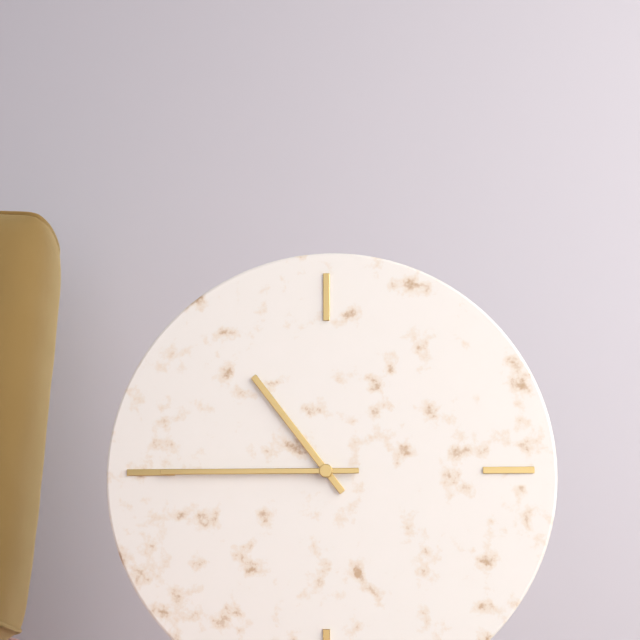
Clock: 10.45
